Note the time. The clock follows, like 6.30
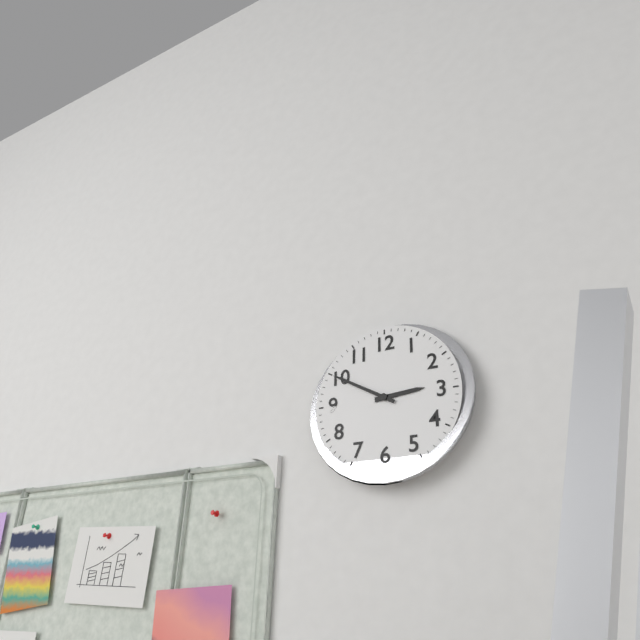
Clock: 2.50
